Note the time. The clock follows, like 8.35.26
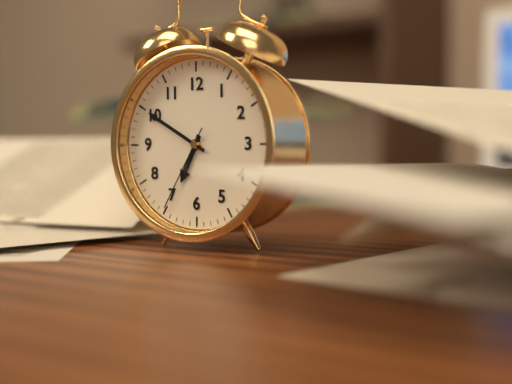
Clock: 6.50.35
